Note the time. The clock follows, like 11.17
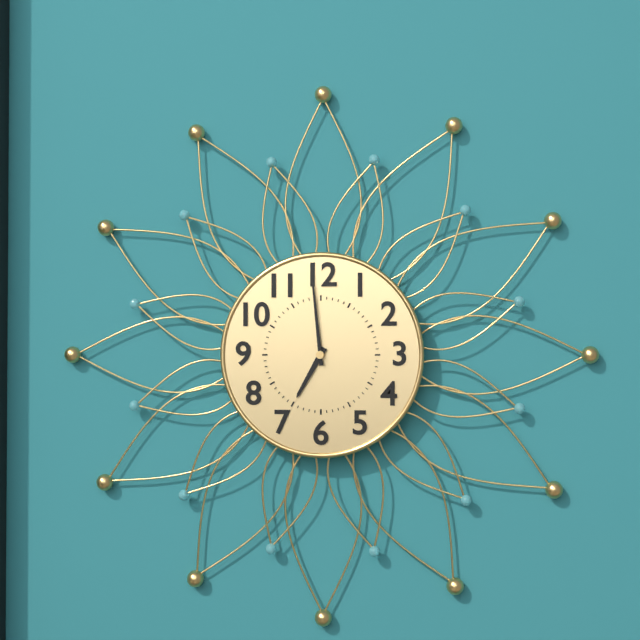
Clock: 6.59
